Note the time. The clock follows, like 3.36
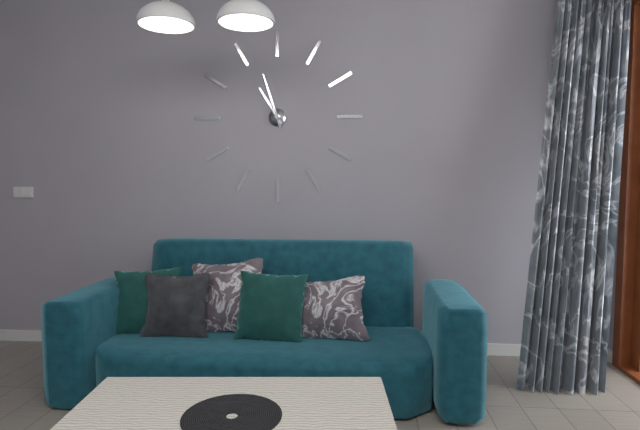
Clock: 10.57
